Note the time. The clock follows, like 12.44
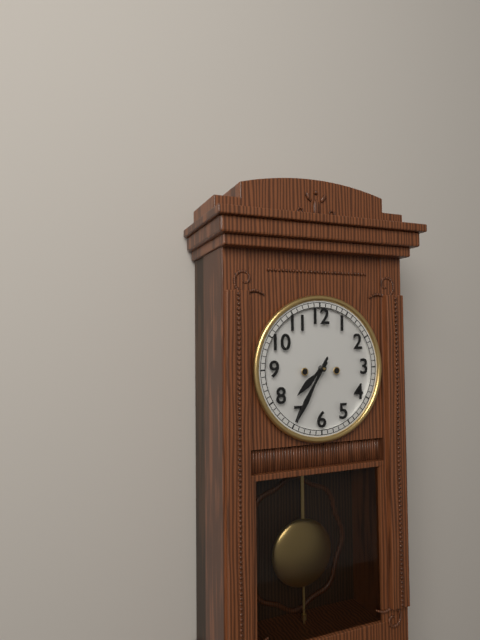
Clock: 7.35
